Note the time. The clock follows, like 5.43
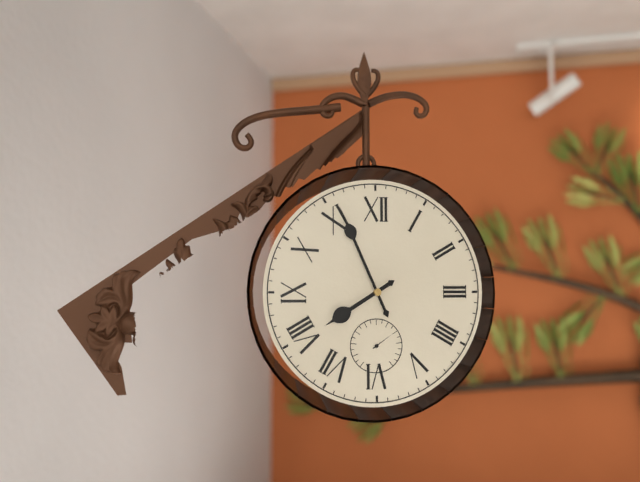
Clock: 7.56
